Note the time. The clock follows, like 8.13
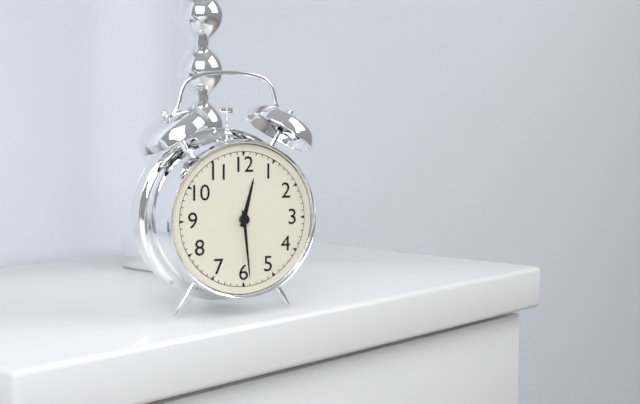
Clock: 12.29
